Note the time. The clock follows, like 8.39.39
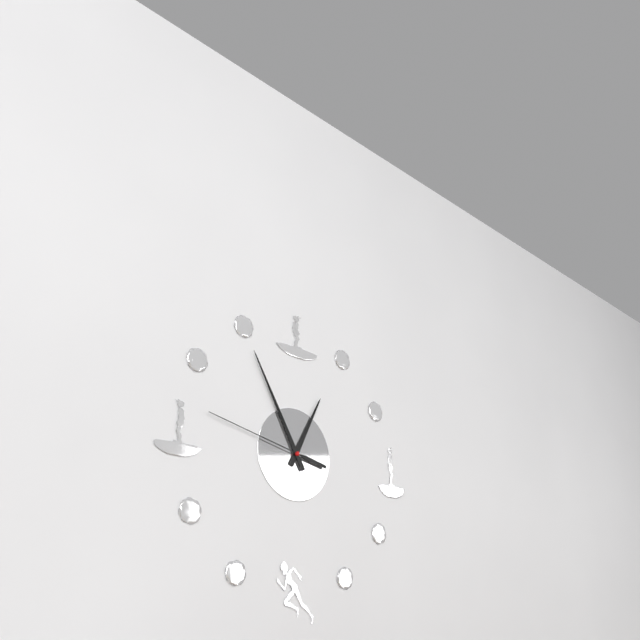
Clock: 12.55.47
